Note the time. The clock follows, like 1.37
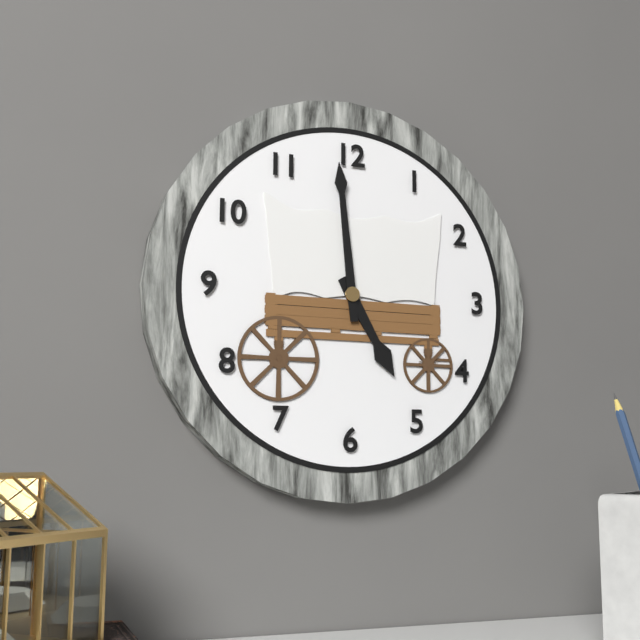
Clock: 4.59
